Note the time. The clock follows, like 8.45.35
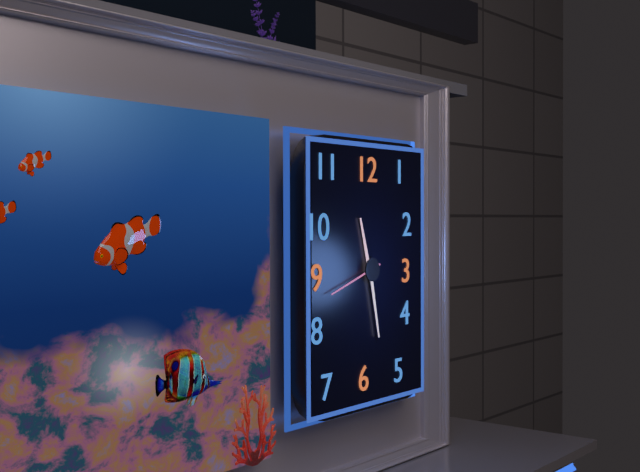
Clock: 11.28.42
